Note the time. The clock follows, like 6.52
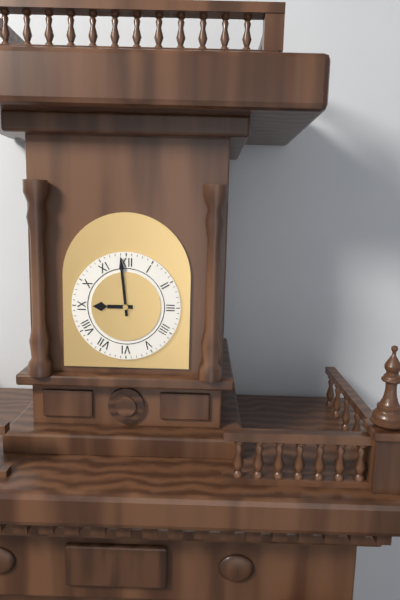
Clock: 8.59
